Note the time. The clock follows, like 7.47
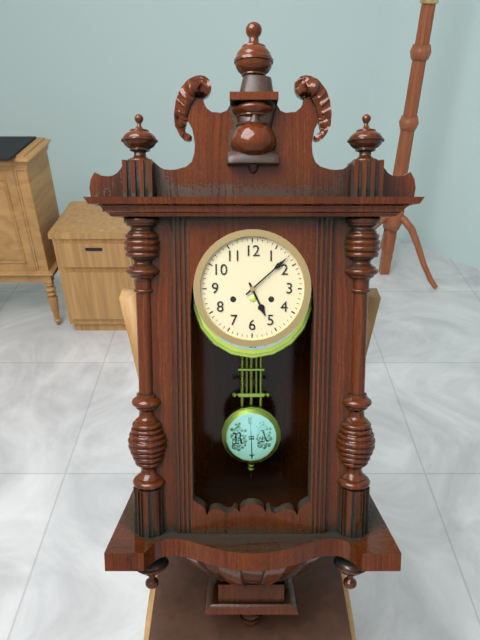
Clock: 5.08
